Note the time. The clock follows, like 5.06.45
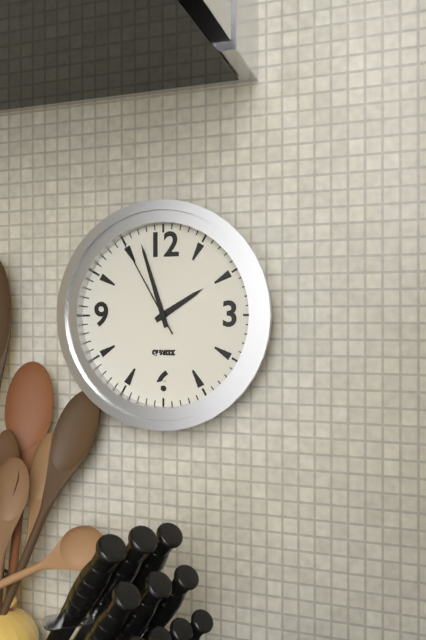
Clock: 1.57.55
